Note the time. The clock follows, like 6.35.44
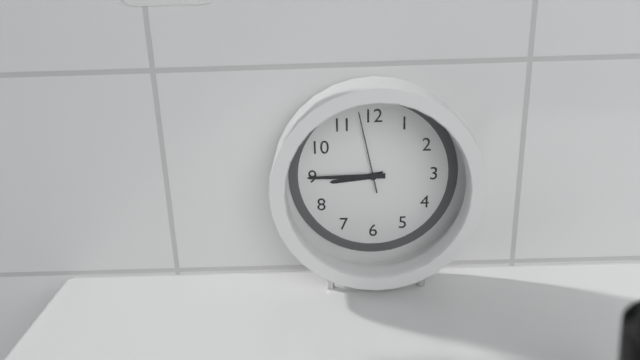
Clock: 8.45.58
